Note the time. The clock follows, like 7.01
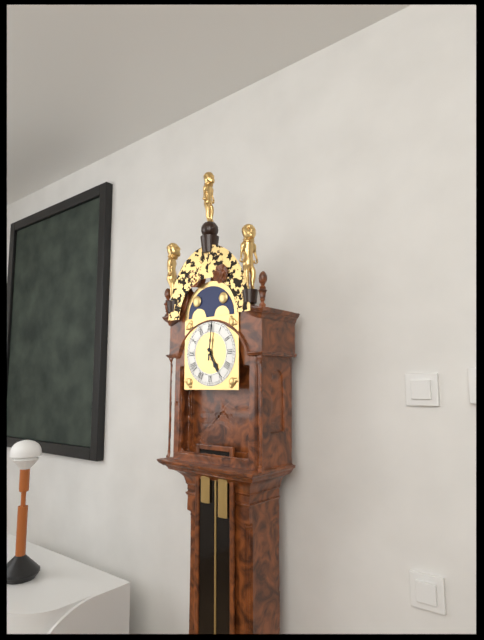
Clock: 5.01
